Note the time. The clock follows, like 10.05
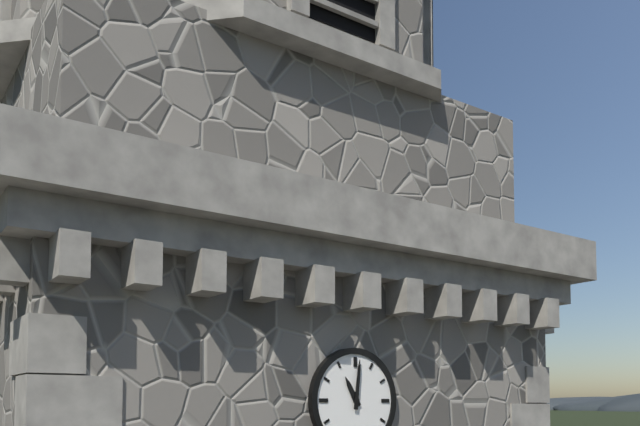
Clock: 11.01
